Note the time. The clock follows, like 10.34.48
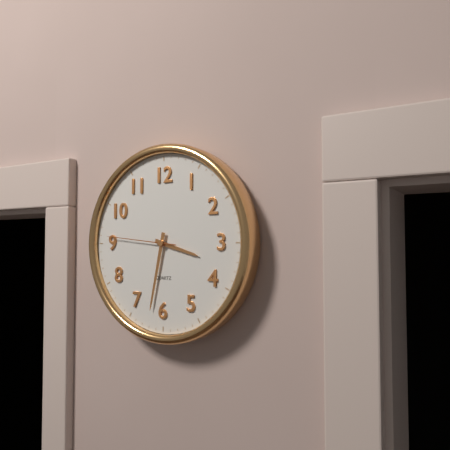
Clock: 3.32.46
